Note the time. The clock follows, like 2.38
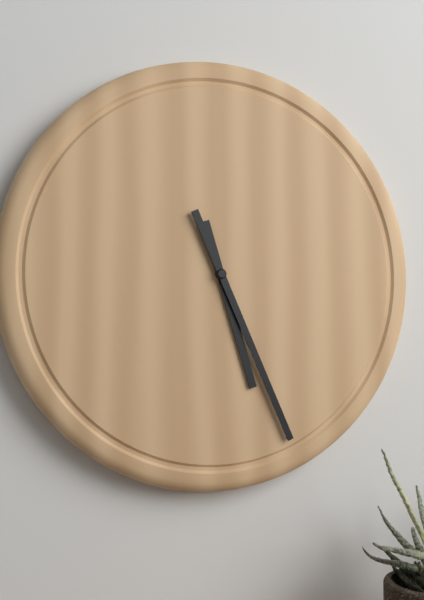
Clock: 5.26
